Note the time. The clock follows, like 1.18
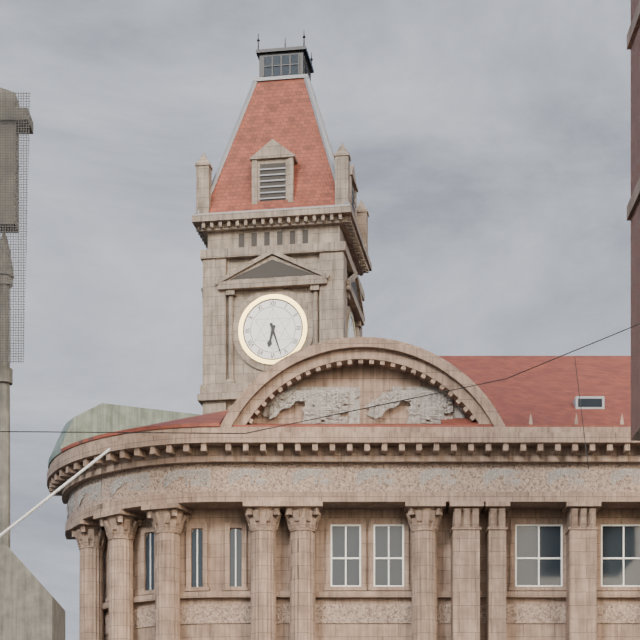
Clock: 6.27
